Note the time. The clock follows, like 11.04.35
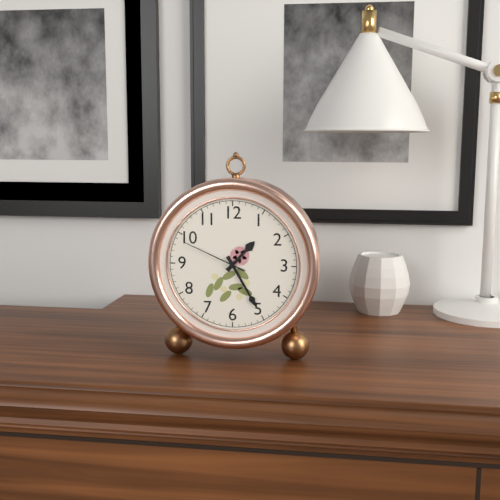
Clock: 1.25.49
